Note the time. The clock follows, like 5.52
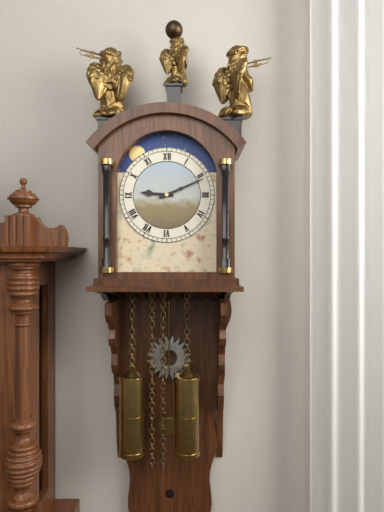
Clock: 9.11
